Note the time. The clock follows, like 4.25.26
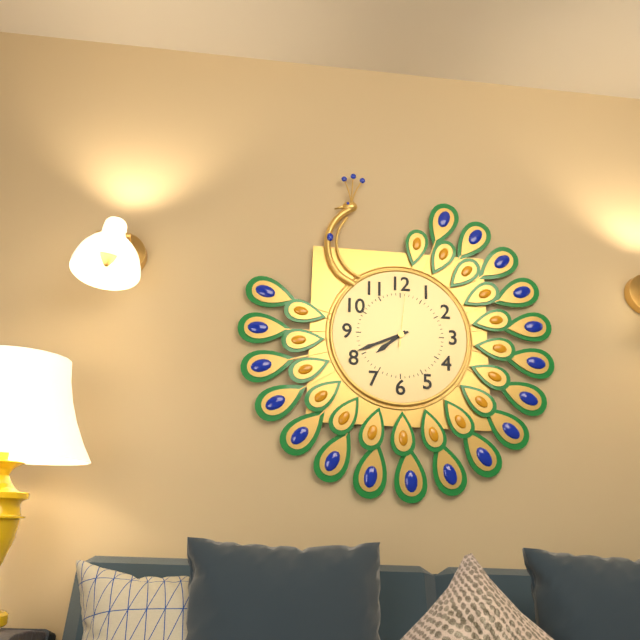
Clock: 7.41.01
